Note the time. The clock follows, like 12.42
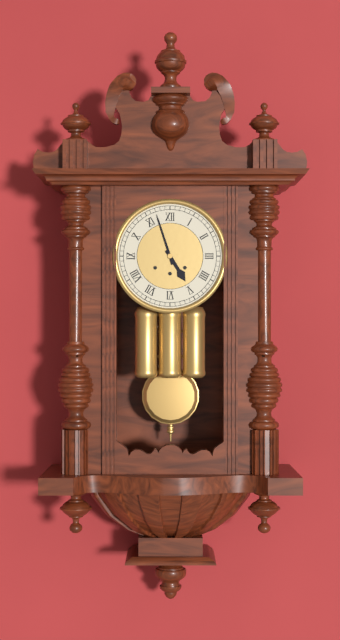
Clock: 4.57
